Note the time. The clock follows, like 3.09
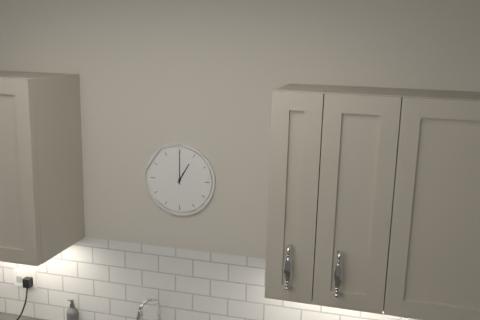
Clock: 1.00
